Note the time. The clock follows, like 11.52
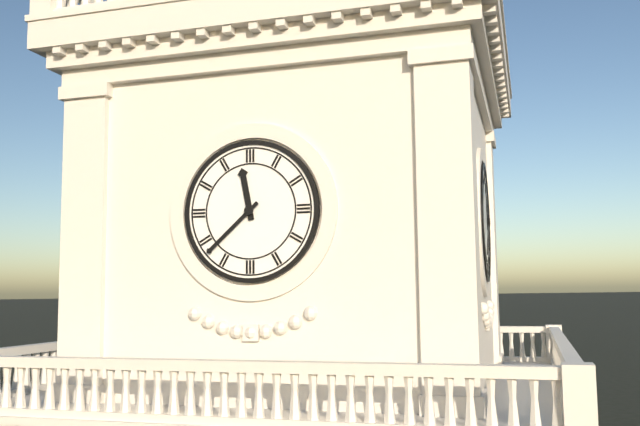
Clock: 11.38
